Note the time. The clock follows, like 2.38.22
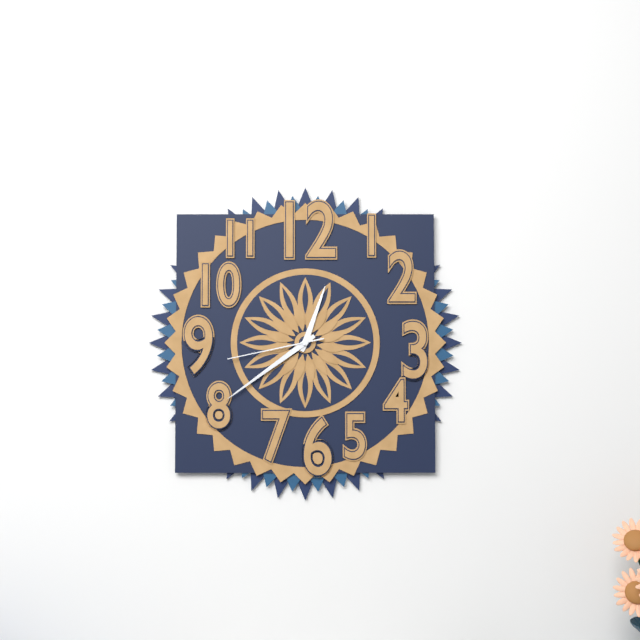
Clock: 12.39.43
